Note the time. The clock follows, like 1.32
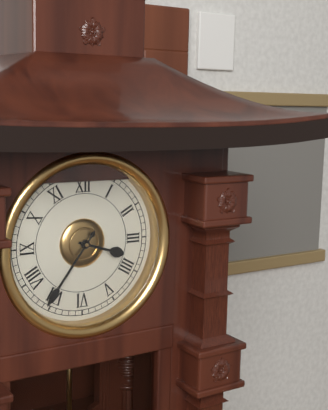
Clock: 3.36
